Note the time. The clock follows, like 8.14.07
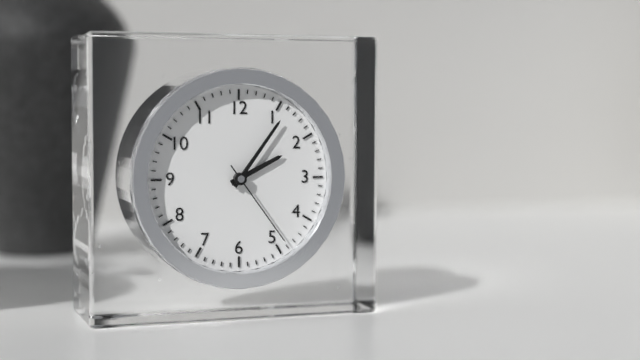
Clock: 2.06.24
